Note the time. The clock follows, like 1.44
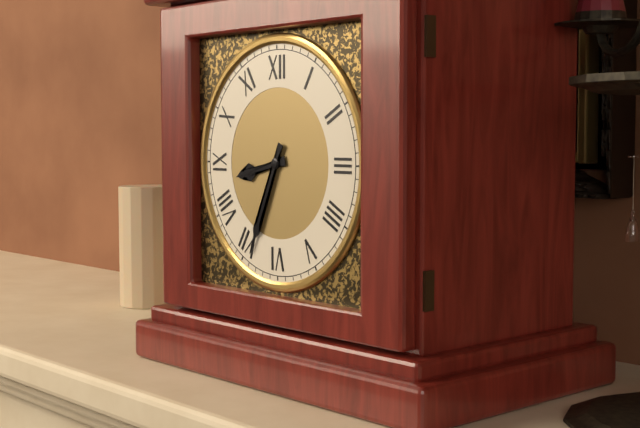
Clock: 8.34
